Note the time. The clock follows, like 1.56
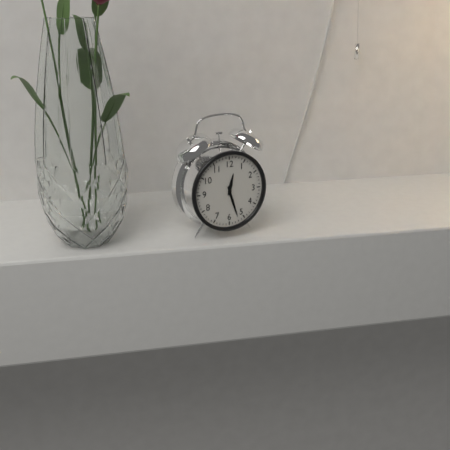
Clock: 12.27
